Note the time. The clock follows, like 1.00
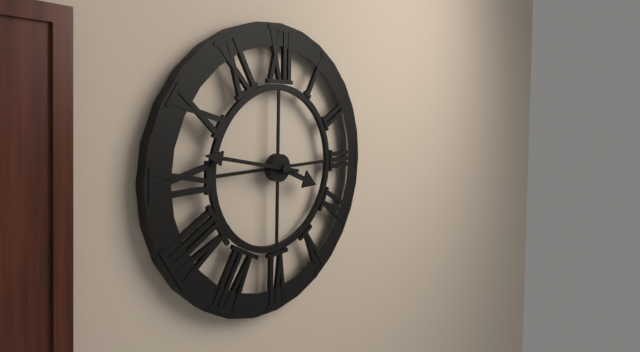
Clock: 3.47
